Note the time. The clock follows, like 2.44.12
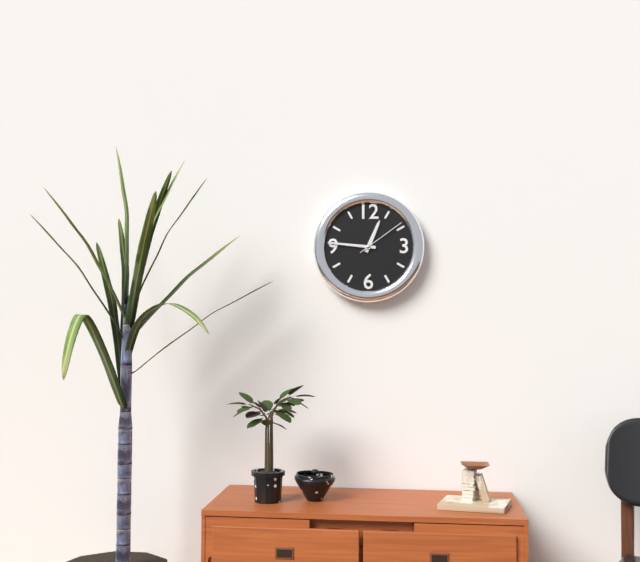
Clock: 12.46.09
